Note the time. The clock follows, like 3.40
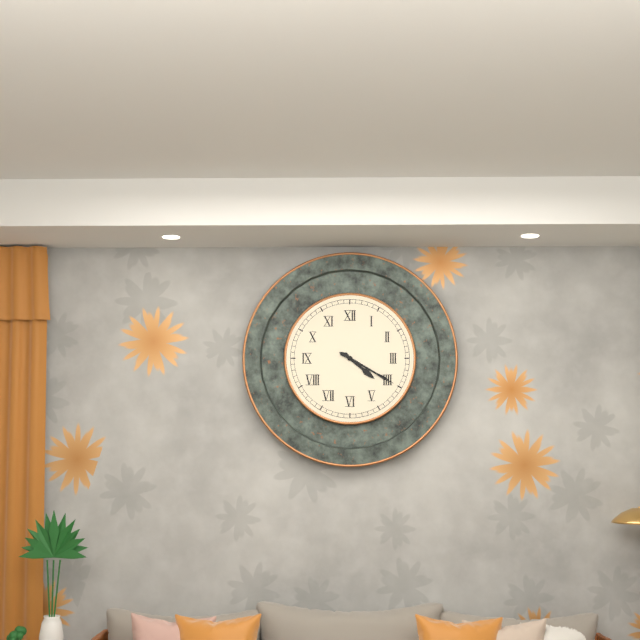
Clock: 4.20
